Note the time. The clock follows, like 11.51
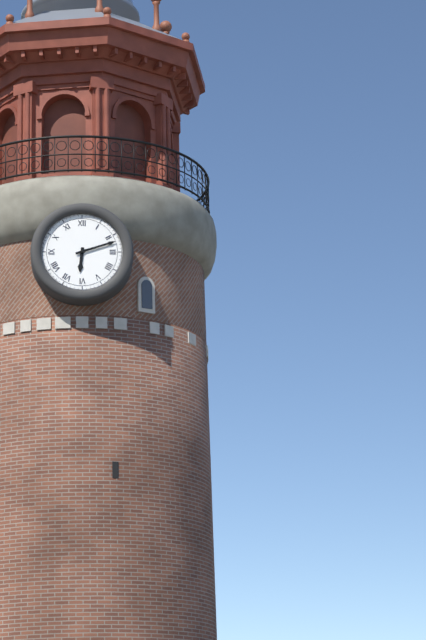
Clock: 6.12
